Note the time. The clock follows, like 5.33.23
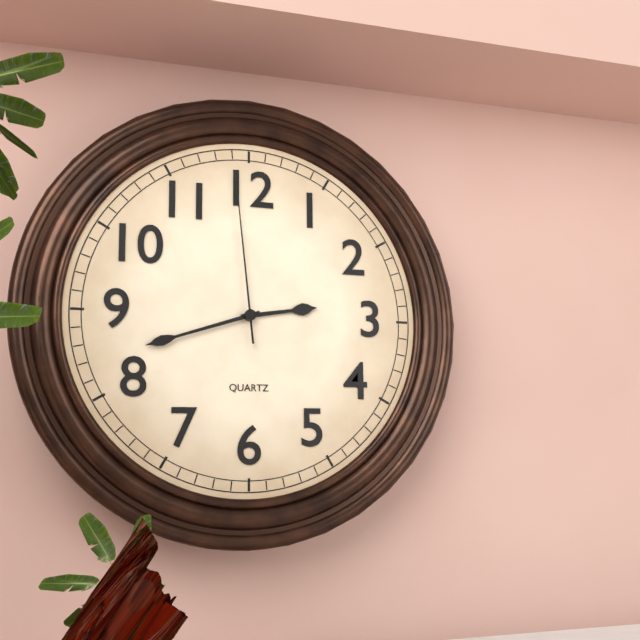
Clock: 2.42.59
